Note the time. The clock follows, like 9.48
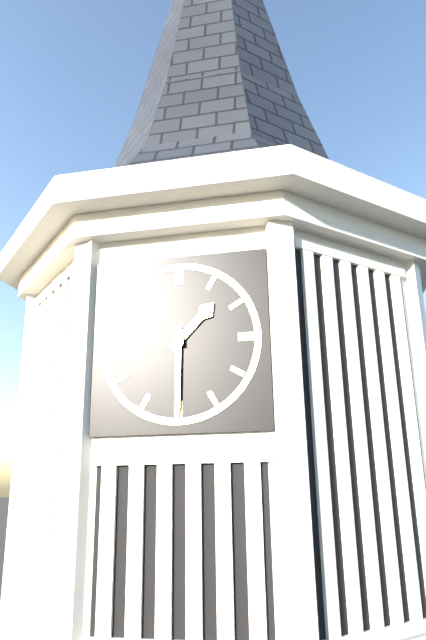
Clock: 1.30
